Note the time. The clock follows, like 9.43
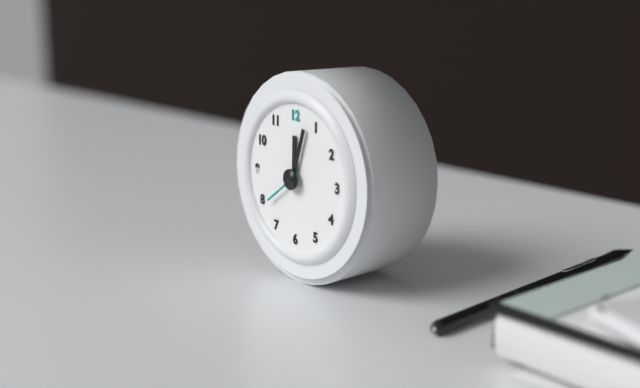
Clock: 12.03
